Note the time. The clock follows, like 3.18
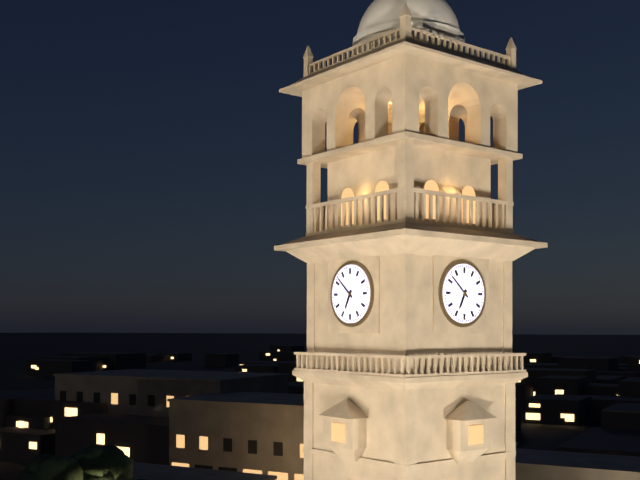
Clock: 6.52
